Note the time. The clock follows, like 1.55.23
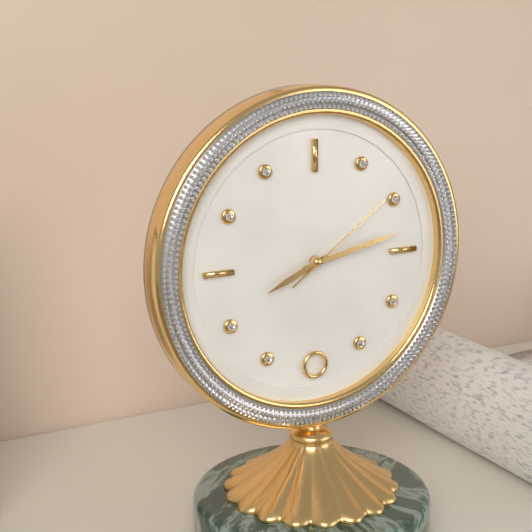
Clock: 8.13.09
